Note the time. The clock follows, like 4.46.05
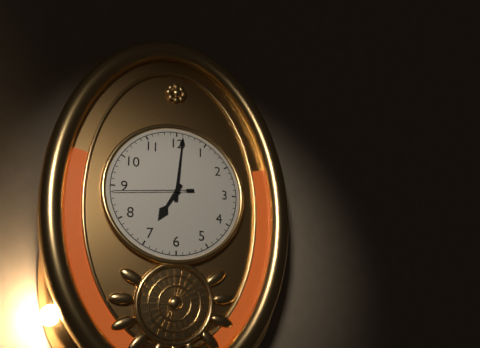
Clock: 7.01.44
